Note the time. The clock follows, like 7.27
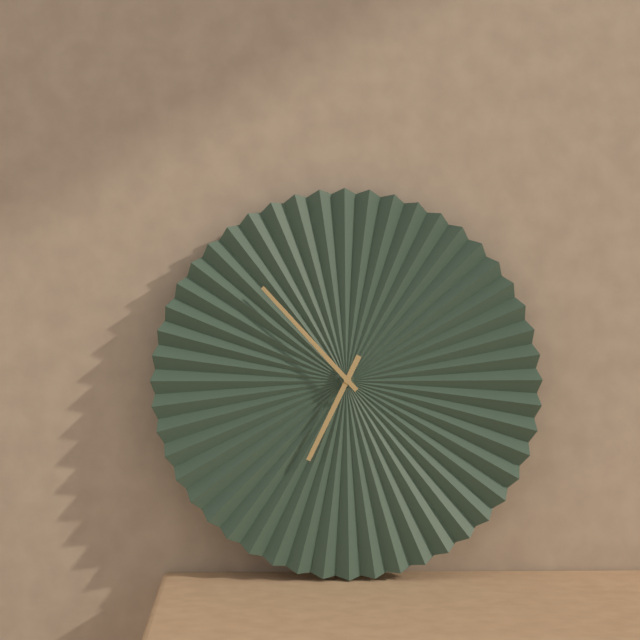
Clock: 6.53
